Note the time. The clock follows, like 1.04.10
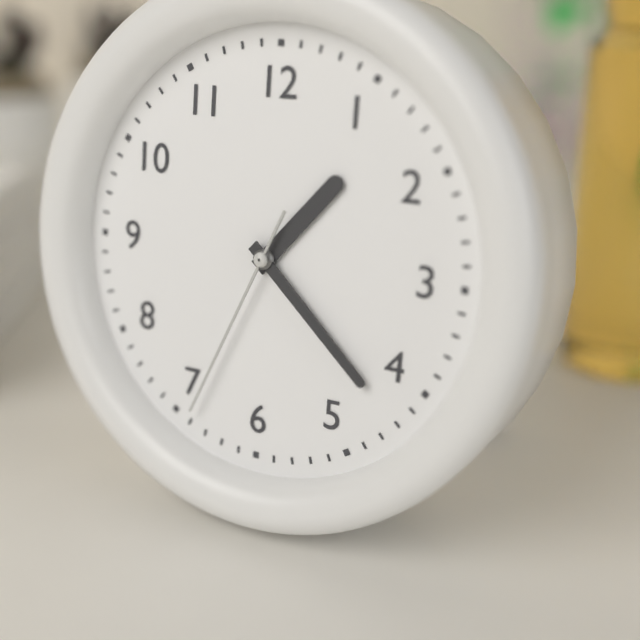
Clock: 1.22.34
